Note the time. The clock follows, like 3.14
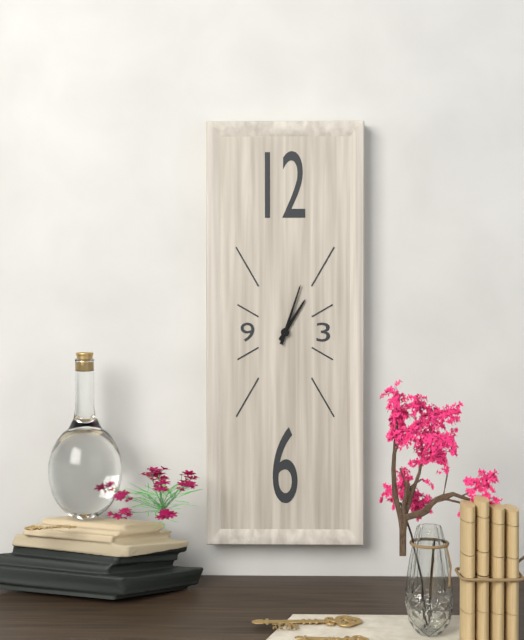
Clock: 1.03
